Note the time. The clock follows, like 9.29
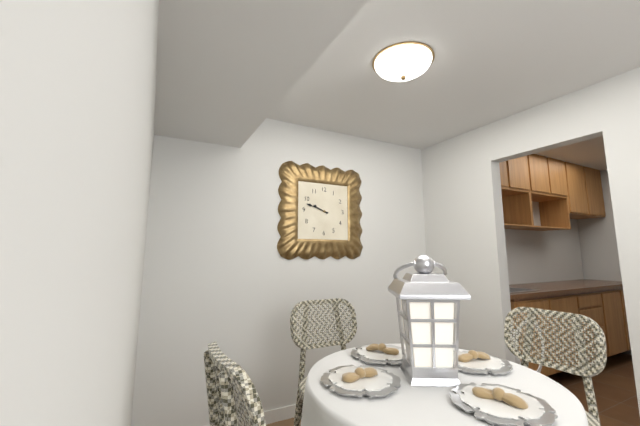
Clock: 9.48
